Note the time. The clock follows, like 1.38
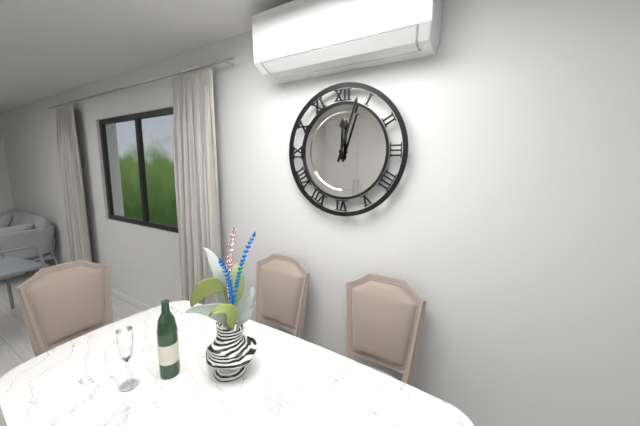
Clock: 12.03
